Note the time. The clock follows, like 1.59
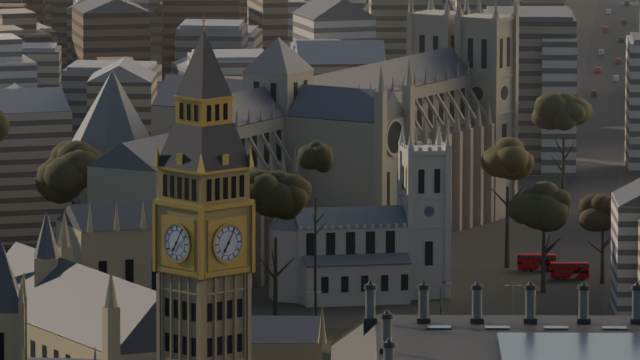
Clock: 7.05
